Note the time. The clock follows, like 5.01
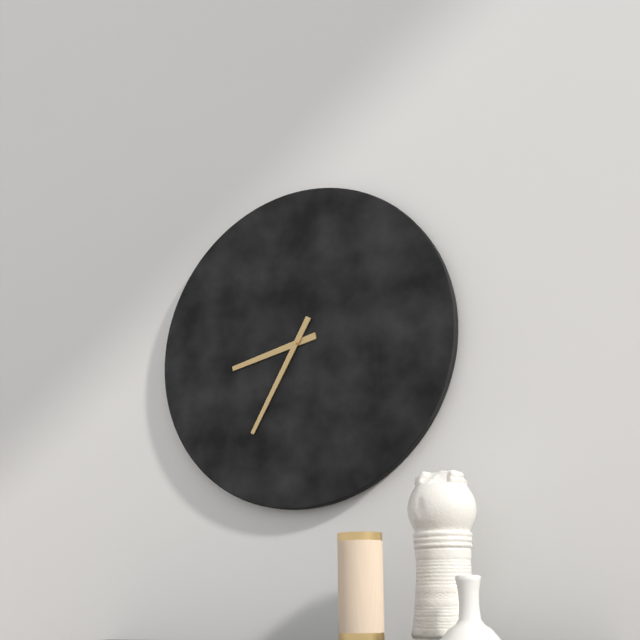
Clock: 8.35
